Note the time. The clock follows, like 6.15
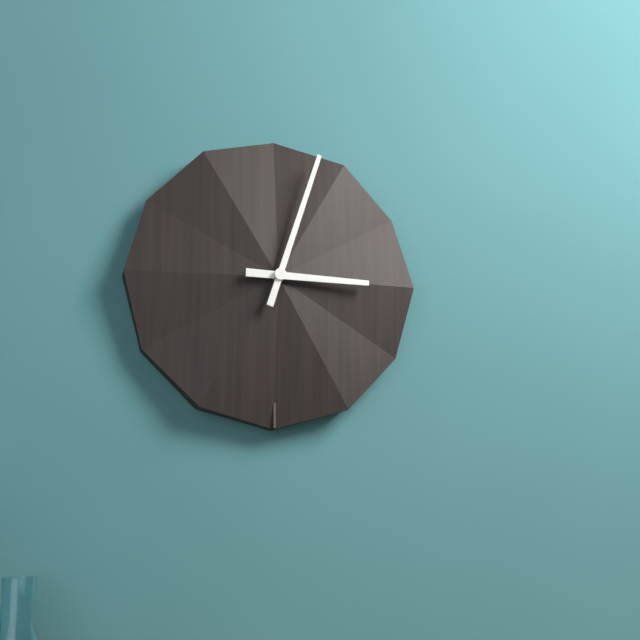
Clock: 3.03
